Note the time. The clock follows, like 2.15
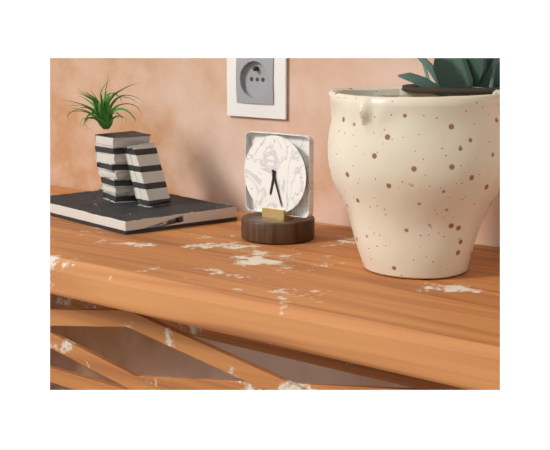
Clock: 6.27
